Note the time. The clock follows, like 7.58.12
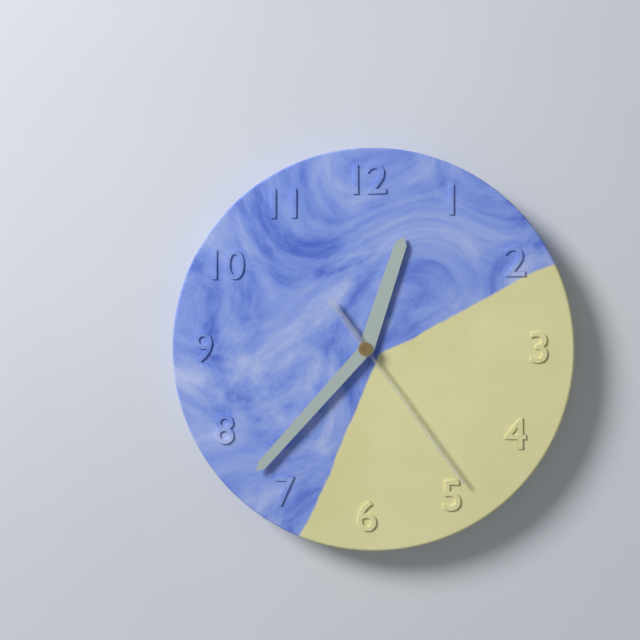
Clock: 12.37.24
